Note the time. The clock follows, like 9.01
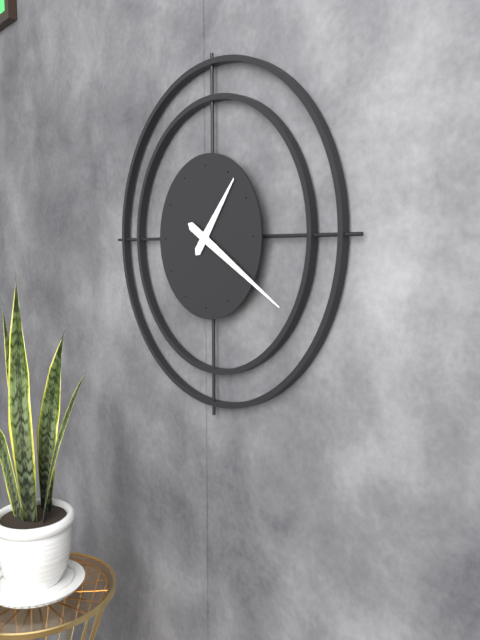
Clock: 1.20
